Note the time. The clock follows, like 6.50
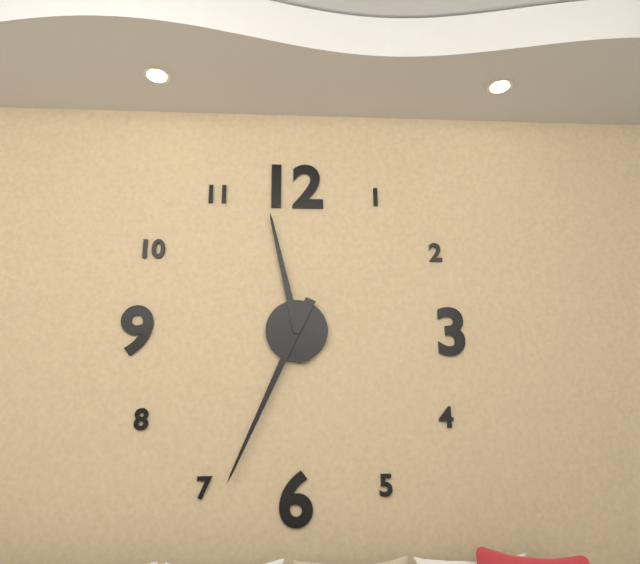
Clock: 11.34
